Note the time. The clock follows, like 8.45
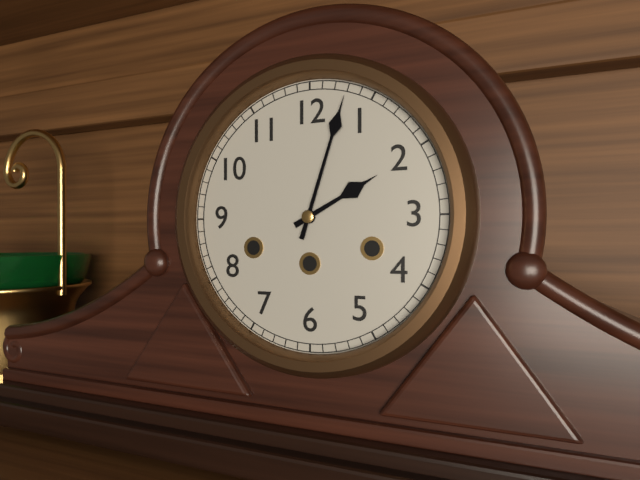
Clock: 2.03
